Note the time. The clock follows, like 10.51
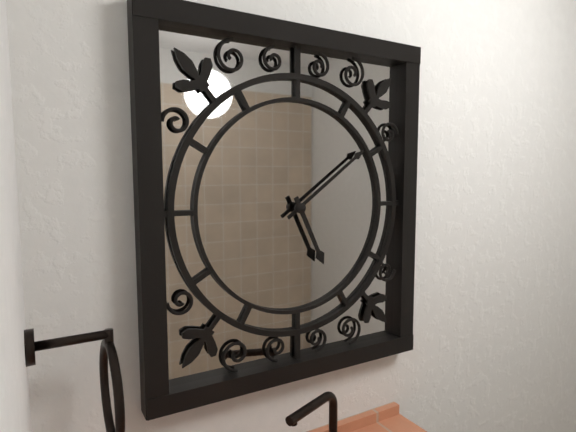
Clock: 5.09
